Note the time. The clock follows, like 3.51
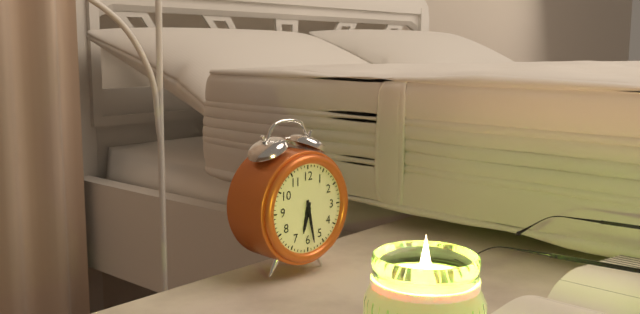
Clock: 6.28
